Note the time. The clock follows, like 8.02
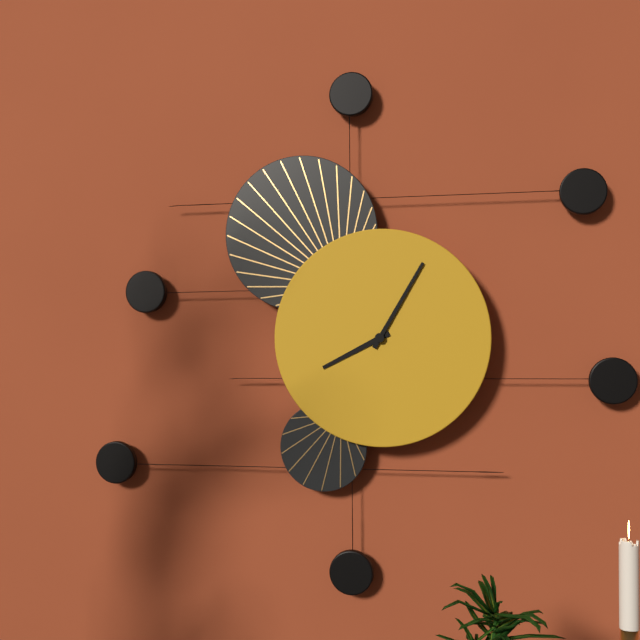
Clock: 8.05
